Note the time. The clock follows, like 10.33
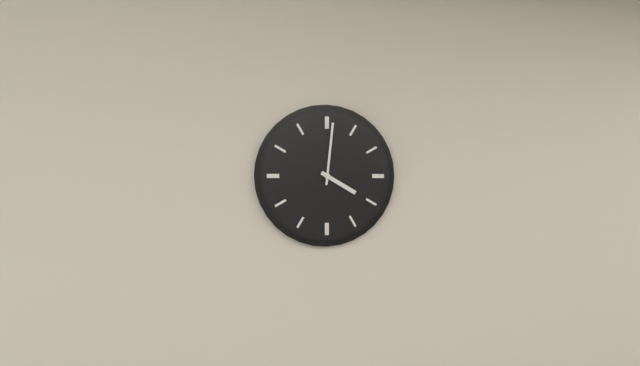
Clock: 4.01
